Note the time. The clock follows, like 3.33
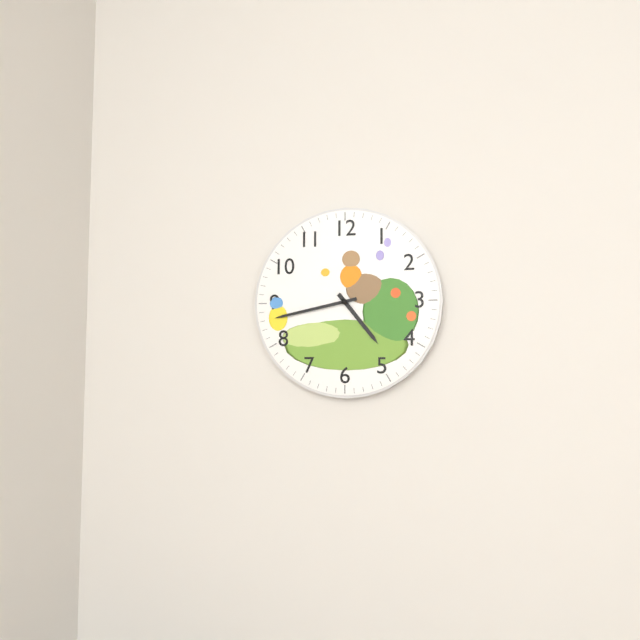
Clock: 4.43
